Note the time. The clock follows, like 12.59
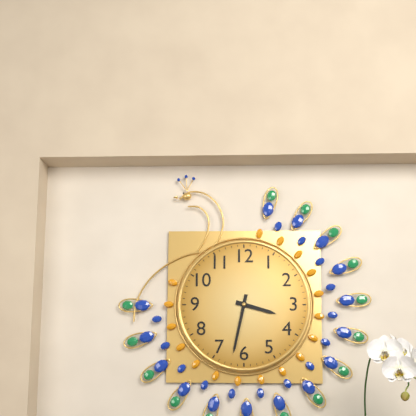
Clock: 3.32
